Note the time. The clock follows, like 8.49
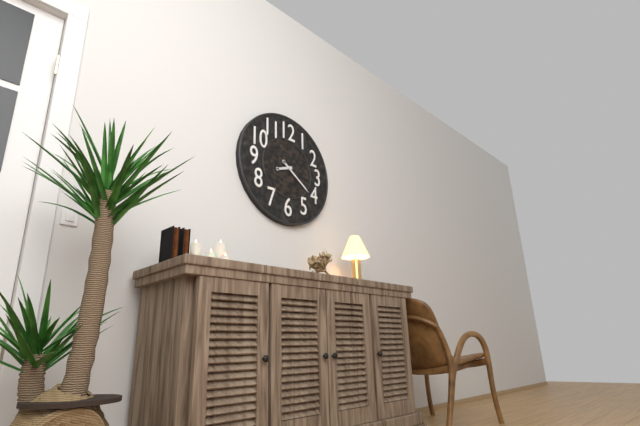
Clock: 8.21
